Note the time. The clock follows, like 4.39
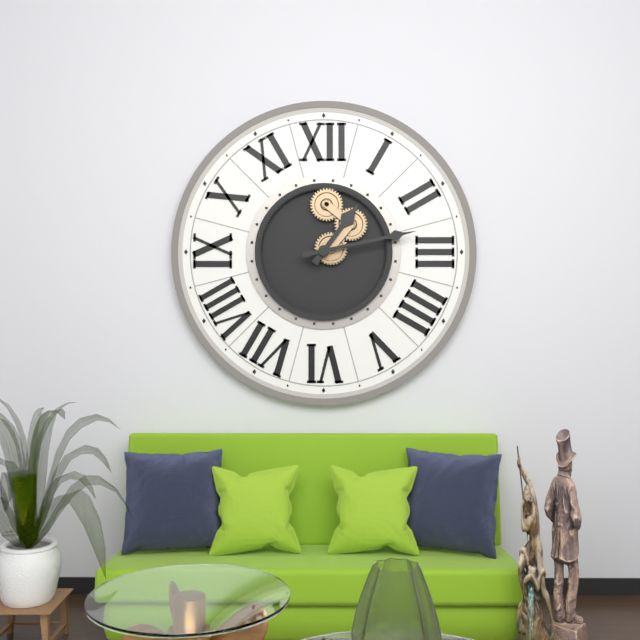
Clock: 1.13
